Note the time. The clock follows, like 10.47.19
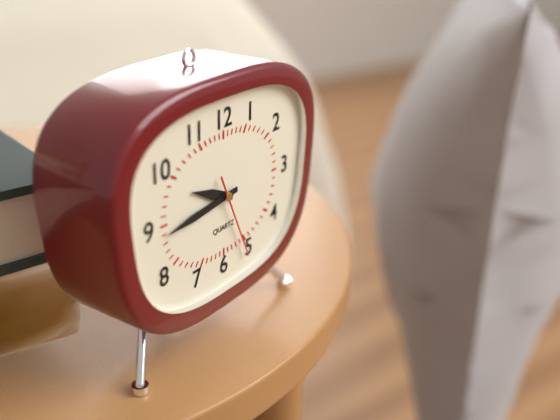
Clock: 9.44.26
